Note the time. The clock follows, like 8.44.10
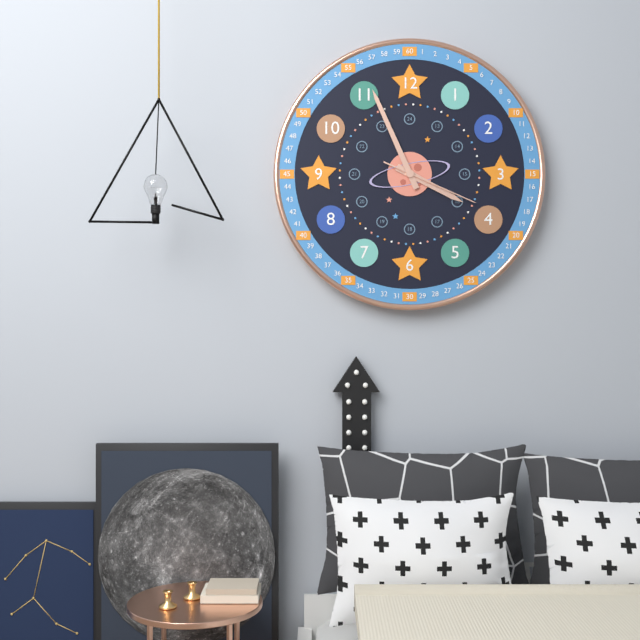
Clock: 3.56.19
